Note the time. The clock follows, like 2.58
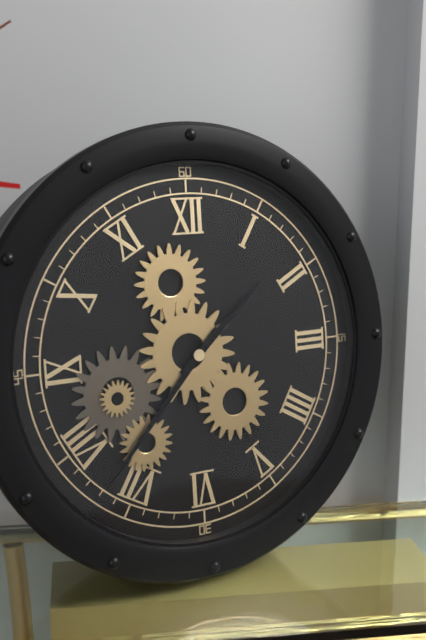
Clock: 1.37
